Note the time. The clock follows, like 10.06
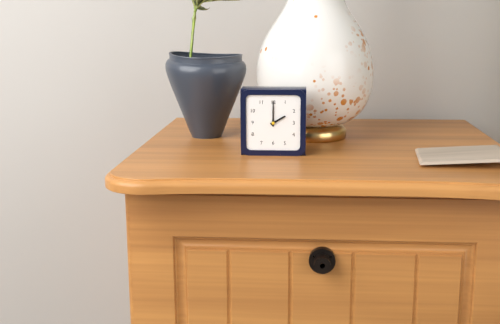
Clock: 2.00
